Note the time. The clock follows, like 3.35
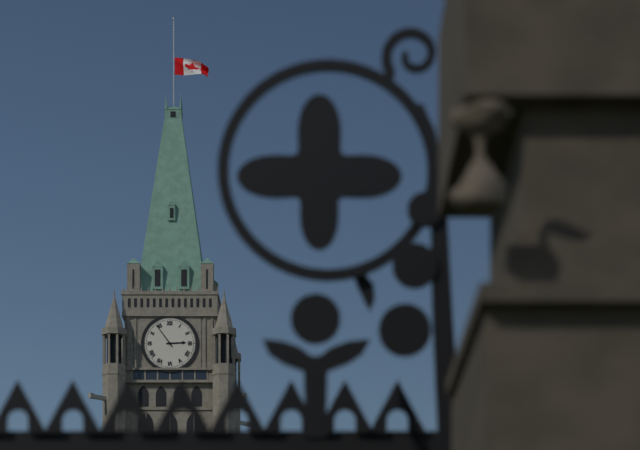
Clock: 2.54
